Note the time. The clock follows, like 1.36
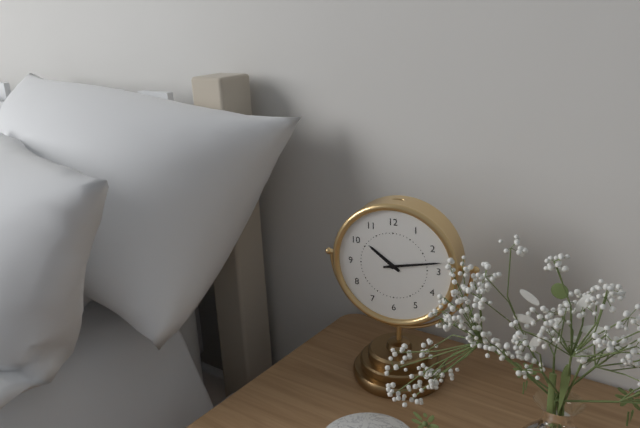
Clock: 10.13
